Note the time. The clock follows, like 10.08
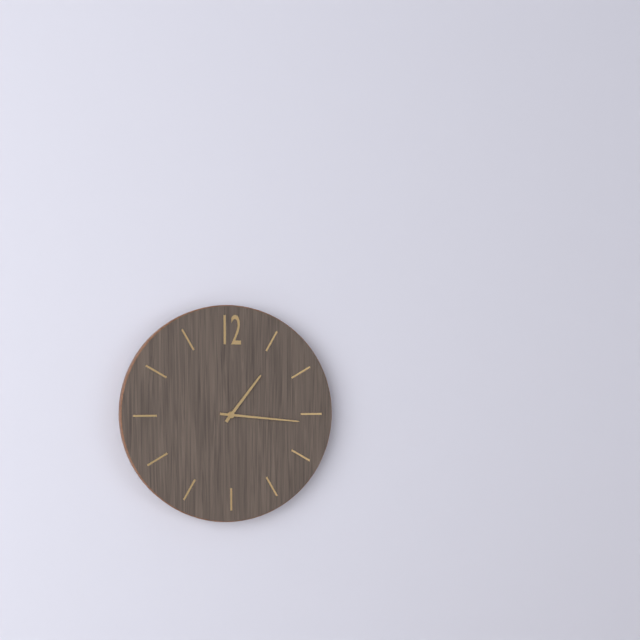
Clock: 1.16
